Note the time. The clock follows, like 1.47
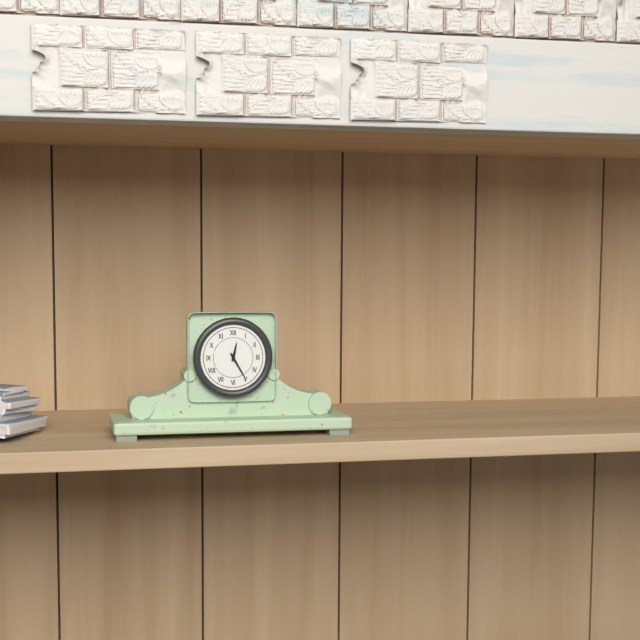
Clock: 12.25
